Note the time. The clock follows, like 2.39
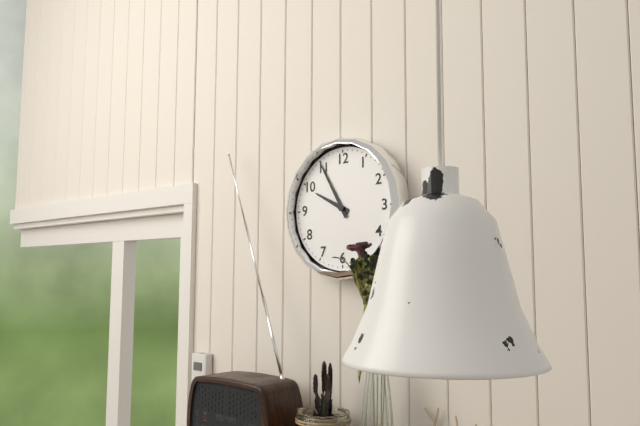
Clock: 9.55
